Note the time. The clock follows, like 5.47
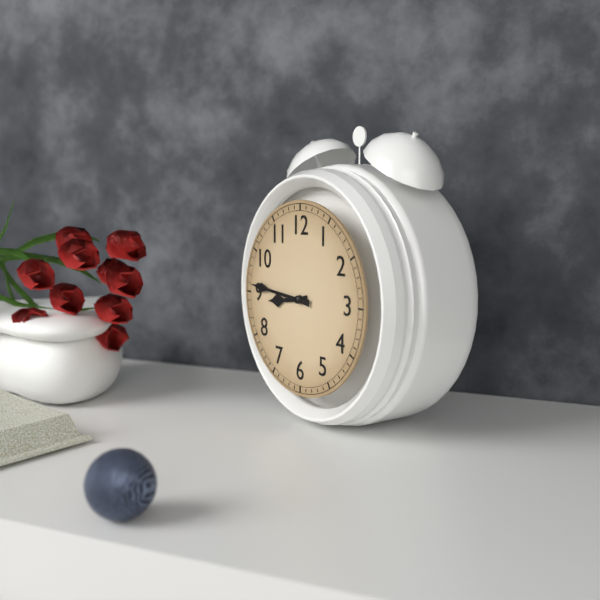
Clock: 8.46
